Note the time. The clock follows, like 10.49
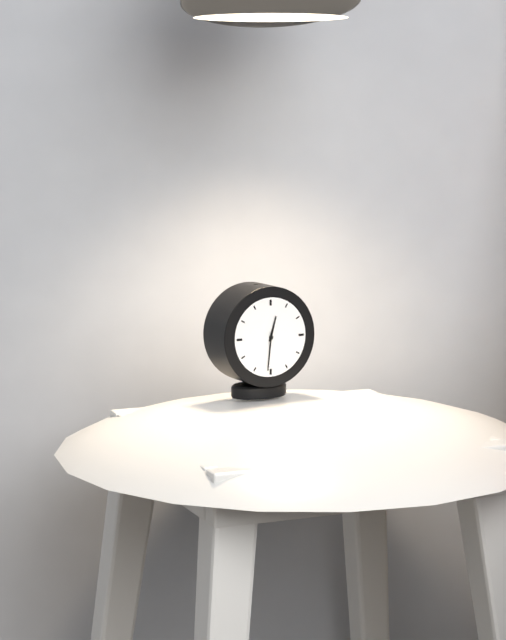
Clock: 12.31
